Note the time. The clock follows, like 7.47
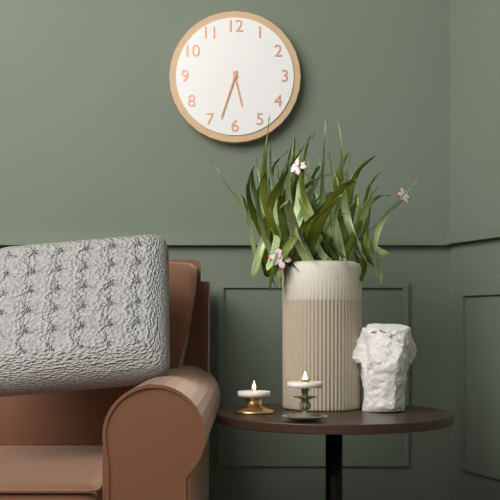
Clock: 5.33
